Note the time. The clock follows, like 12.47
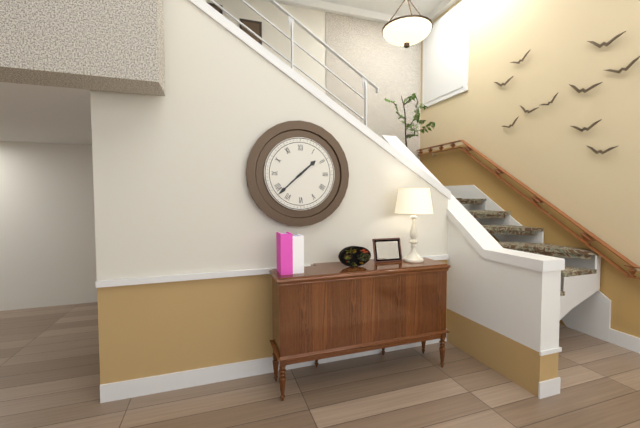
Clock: 1.38
